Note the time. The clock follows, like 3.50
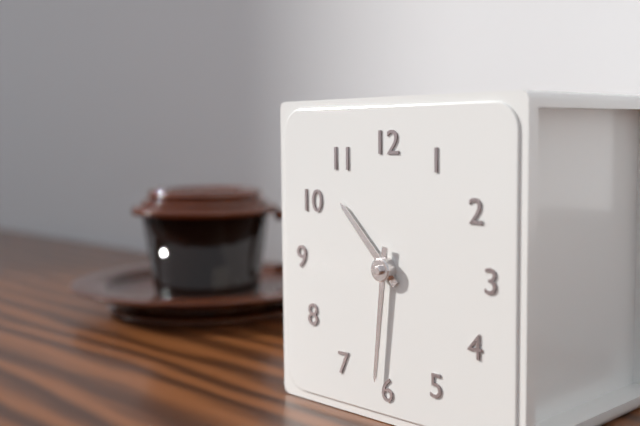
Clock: 10.31
